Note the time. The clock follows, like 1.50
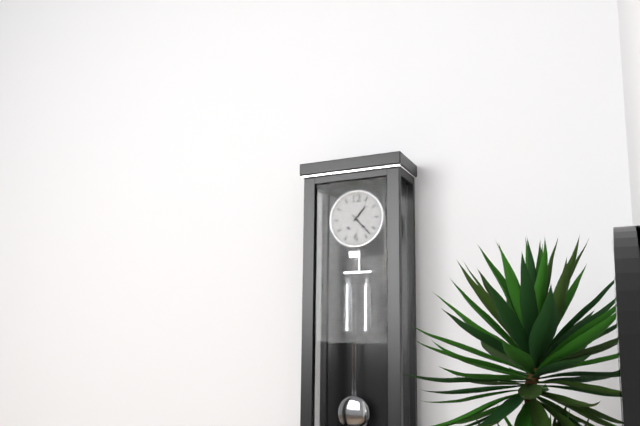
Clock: 1.23
